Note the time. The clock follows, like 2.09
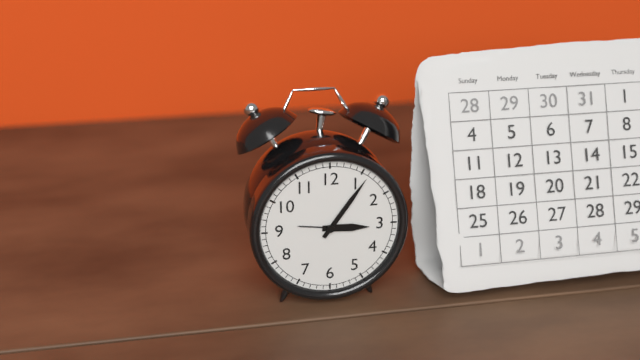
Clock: 3.06
